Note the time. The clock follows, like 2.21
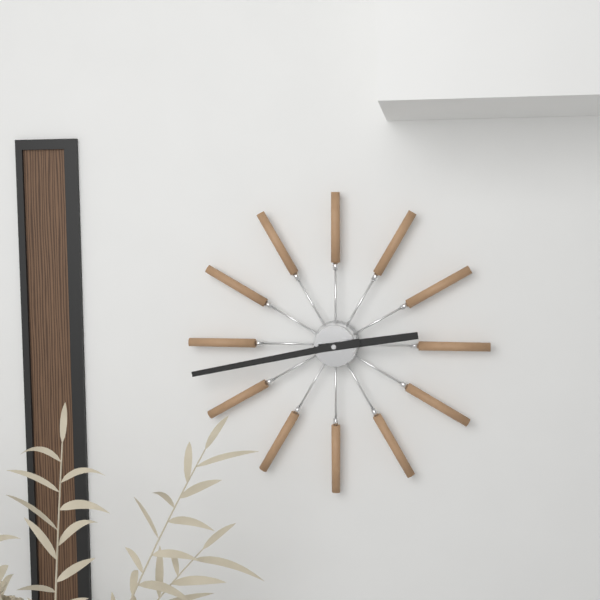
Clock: 2.43
